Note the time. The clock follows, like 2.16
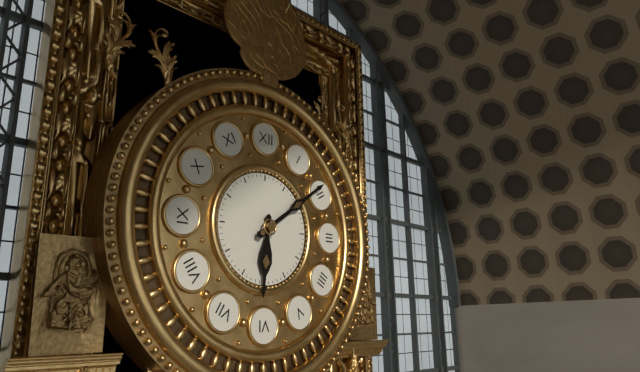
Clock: 6.09
